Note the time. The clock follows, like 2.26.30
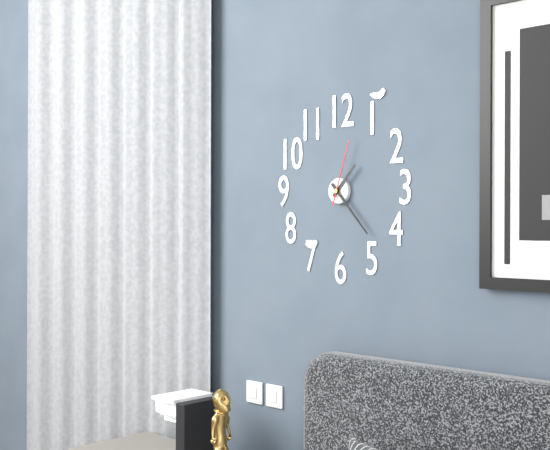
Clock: 1.23.03
